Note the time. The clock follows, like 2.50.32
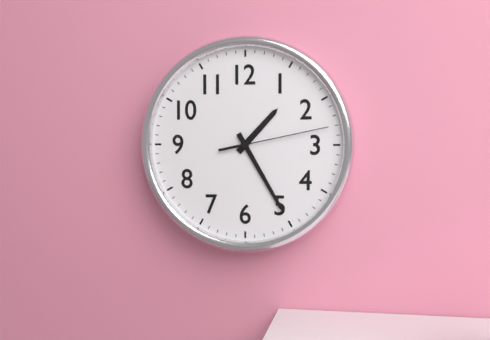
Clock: 1.25.13
